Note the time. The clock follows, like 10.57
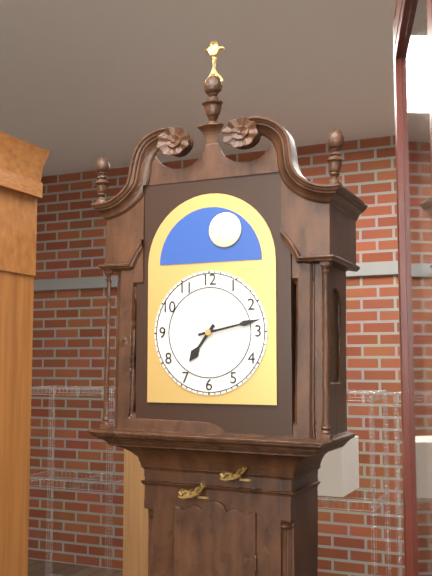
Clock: 7.13
